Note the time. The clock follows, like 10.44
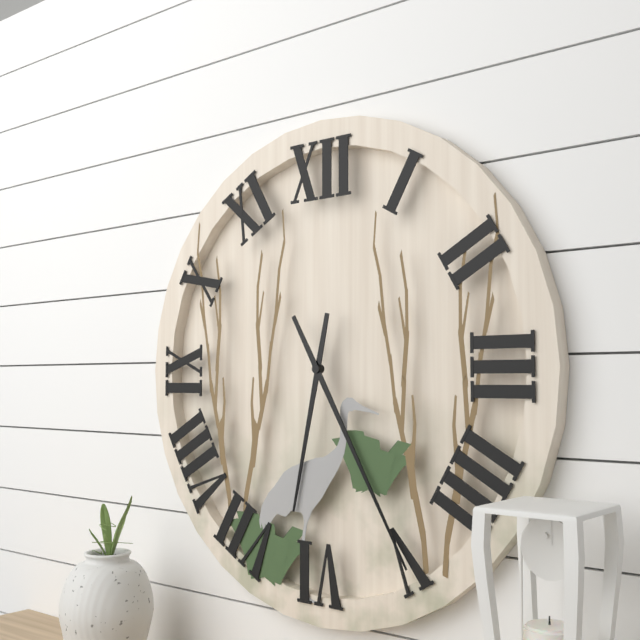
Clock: 6.25
